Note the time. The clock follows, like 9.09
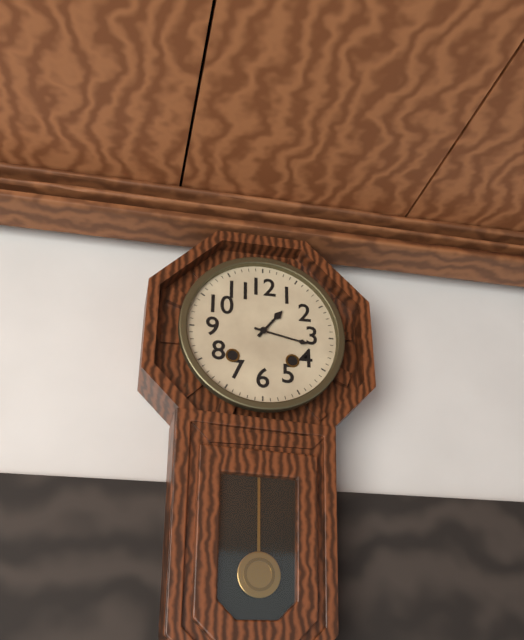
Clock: 1.17
